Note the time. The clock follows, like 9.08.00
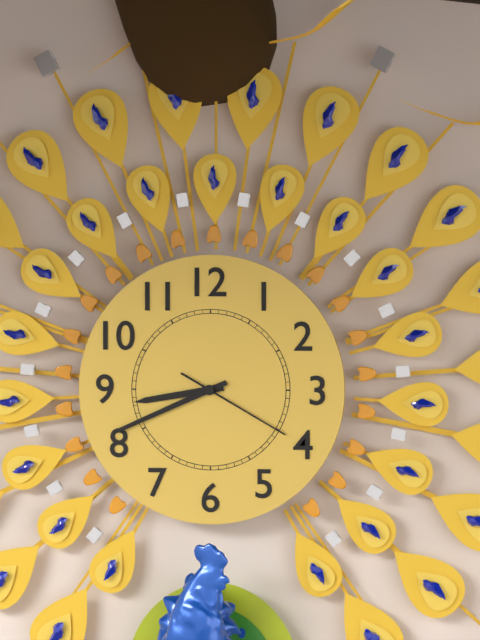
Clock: 8.41.20
